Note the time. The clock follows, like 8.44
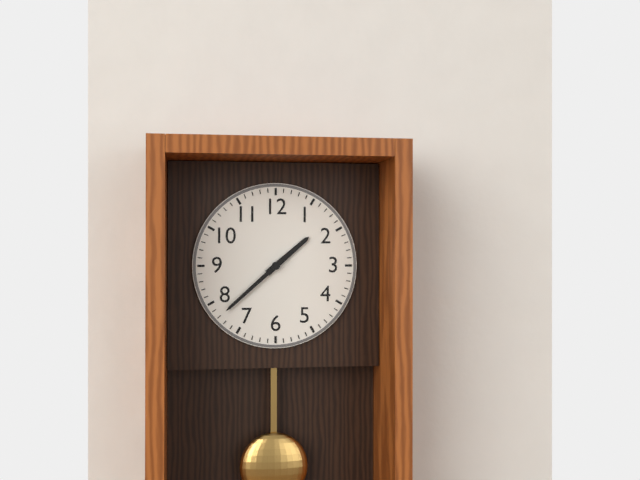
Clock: 1.38
